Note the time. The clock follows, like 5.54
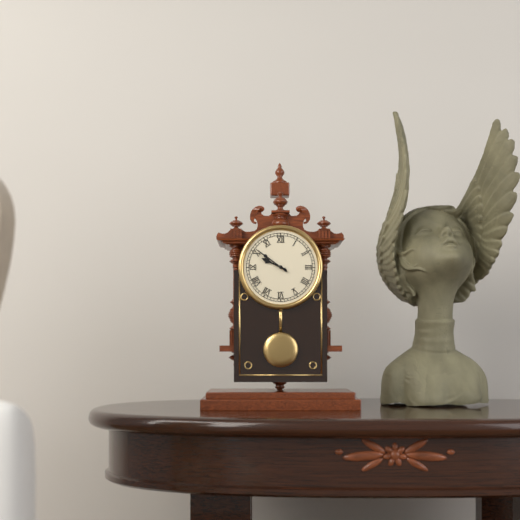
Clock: 9.51
